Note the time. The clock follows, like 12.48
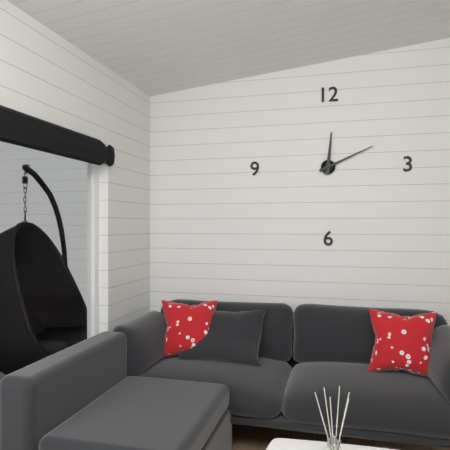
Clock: 12.11
